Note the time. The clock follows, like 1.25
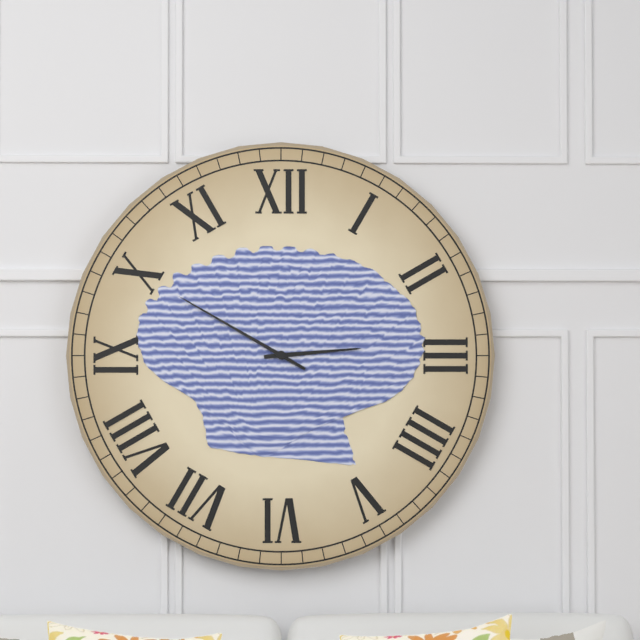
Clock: 2.50
